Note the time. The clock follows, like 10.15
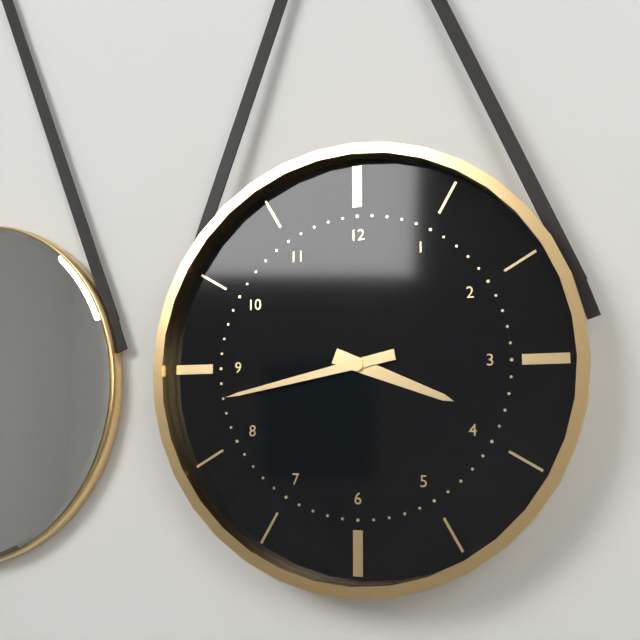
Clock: 3.43
